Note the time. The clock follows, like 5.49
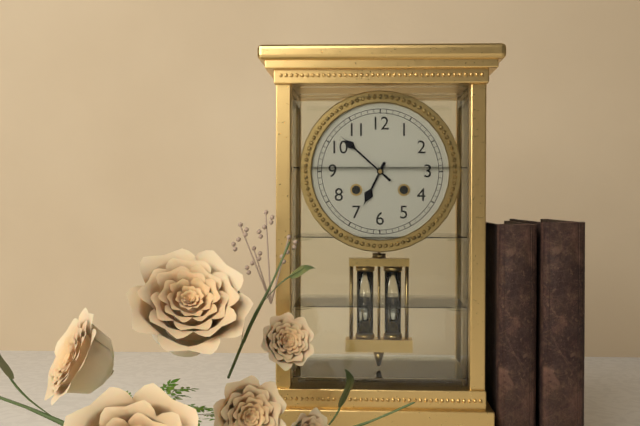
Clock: 6.52
